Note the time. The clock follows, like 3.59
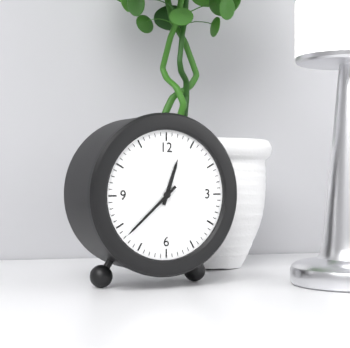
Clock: 12.38
